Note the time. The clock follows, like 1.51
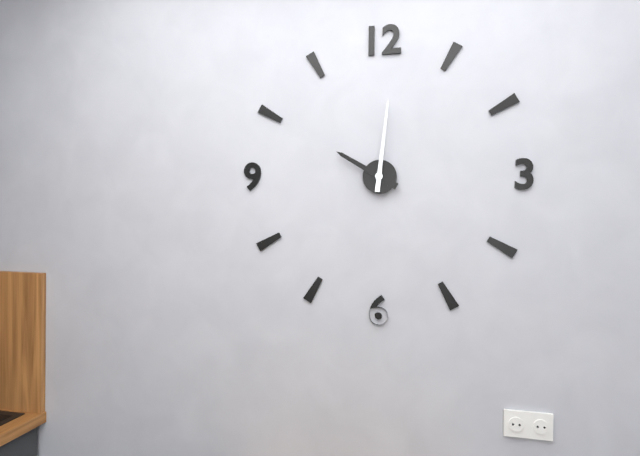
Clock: 10.01
